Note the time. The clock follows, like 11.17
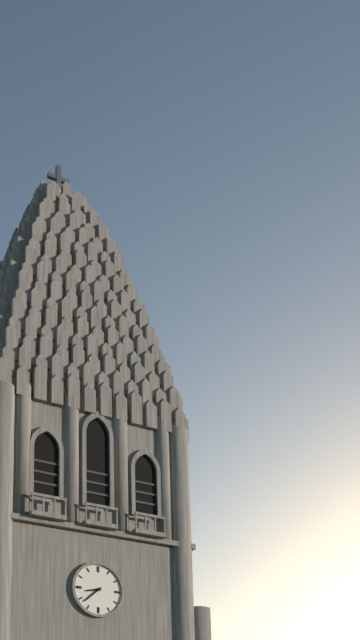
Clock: 8.38
